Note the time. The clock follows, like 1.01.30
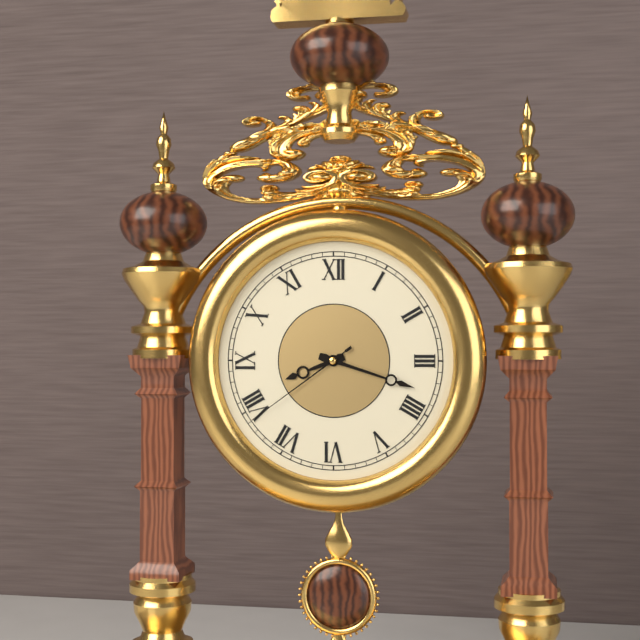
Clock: 8.18.39
